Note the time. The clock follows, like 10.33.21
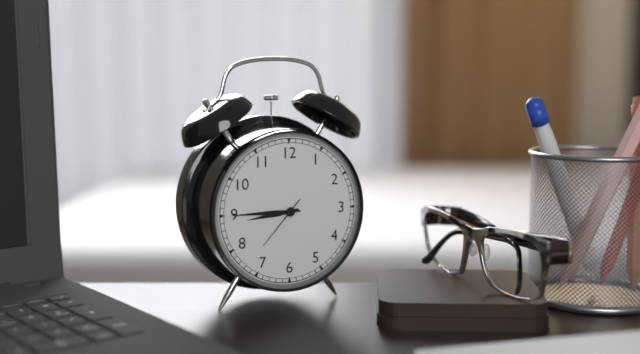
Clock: 8.45.37
